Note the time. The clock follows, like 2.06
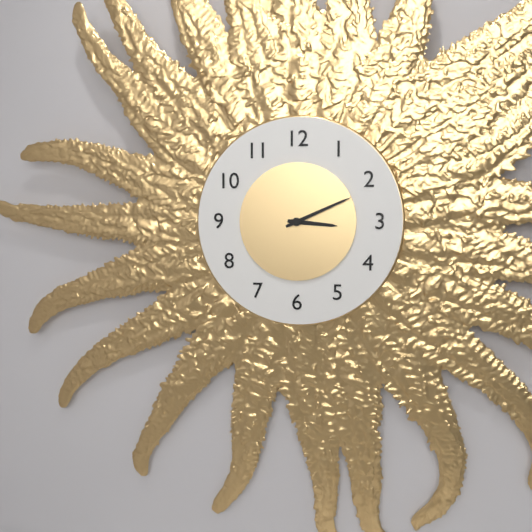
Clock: 3.11
